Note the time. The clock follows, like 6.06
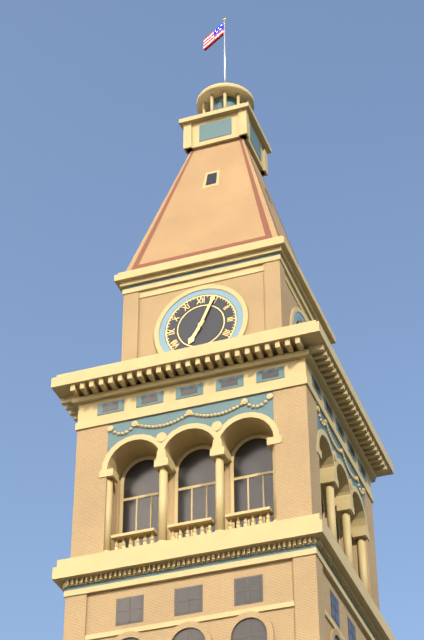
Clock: 7.04
